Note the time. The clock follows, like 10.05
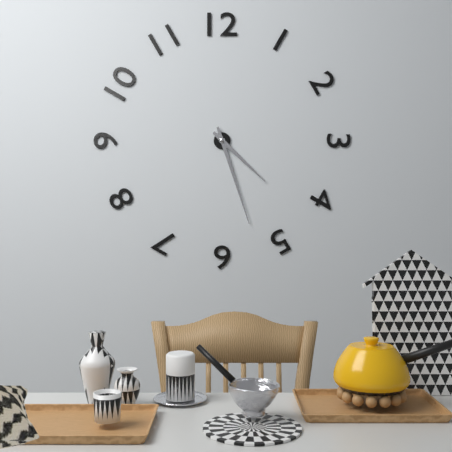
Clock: 4.27
